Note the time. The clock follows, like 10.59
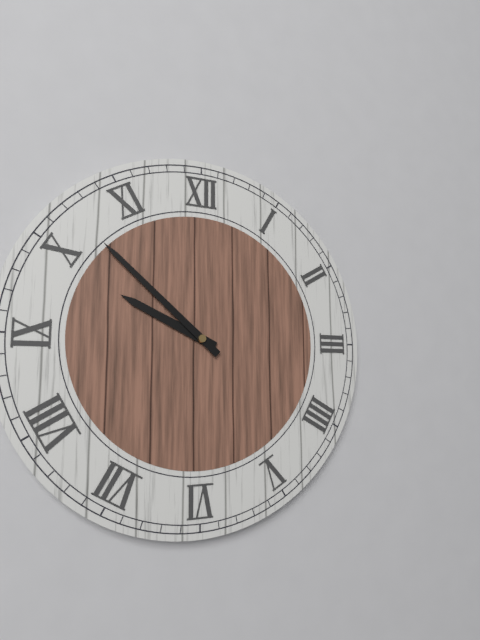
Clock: 9.52
